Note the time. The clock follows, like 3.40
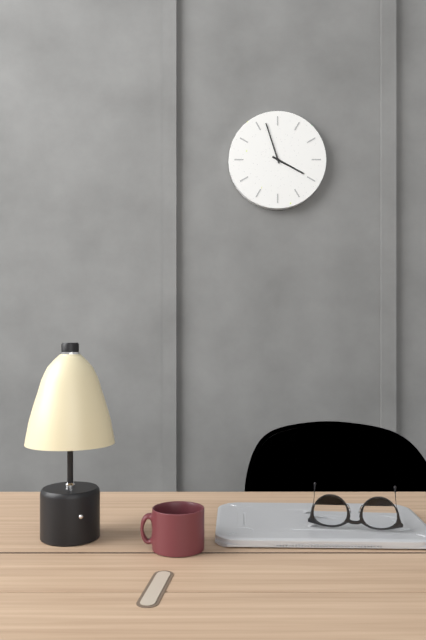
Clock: 3.57
